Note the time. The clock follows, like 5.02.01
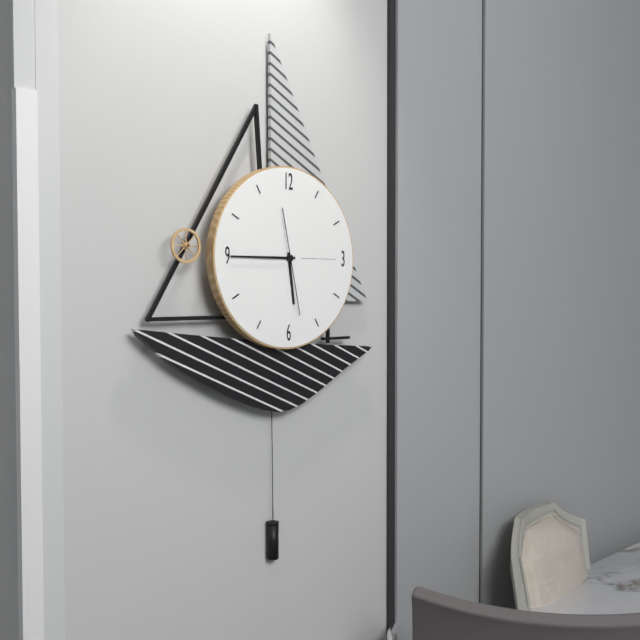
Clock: 5.45.28
